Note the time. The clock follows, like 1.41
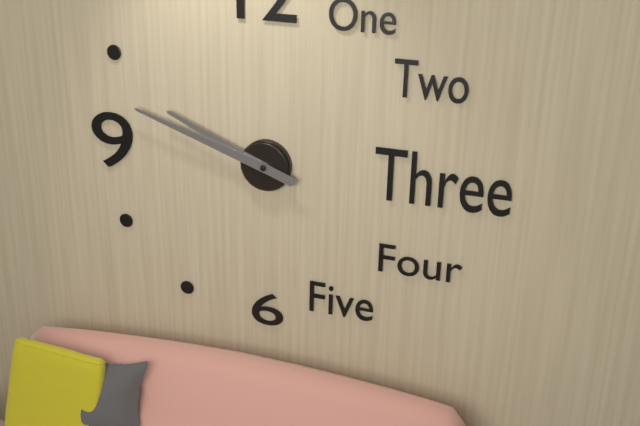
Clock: 9.48
